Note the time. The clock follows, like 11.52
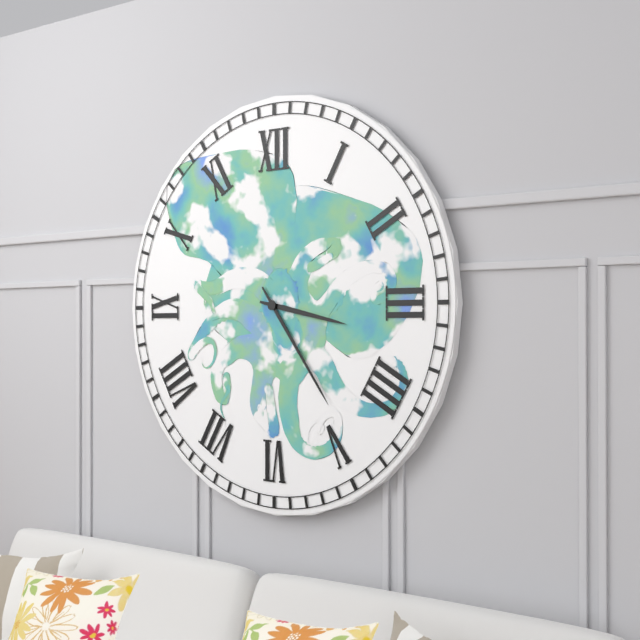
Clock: 3.24
